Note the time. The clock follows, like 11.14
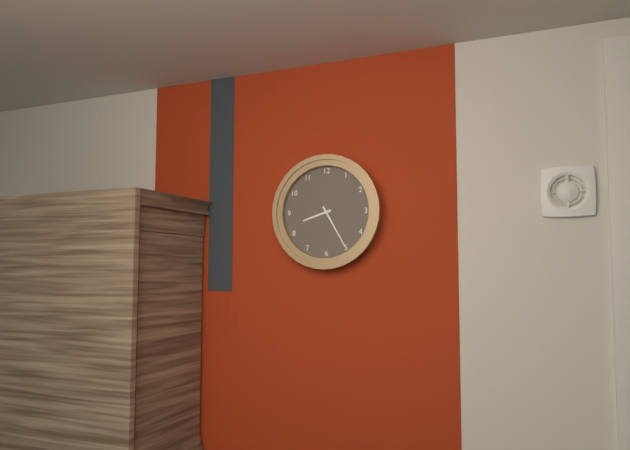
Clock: 8.25
